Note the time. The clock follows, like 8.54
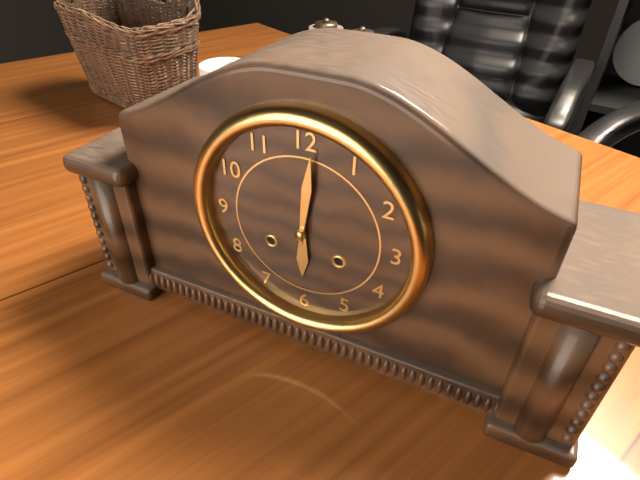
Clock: 6.01
